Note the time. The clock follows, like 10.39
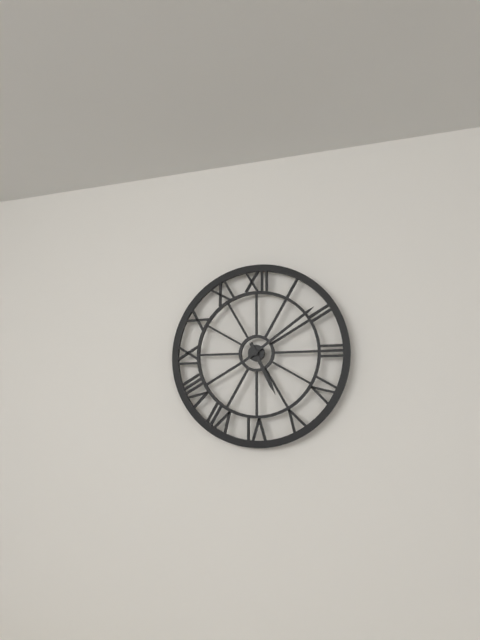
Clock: 5.09
